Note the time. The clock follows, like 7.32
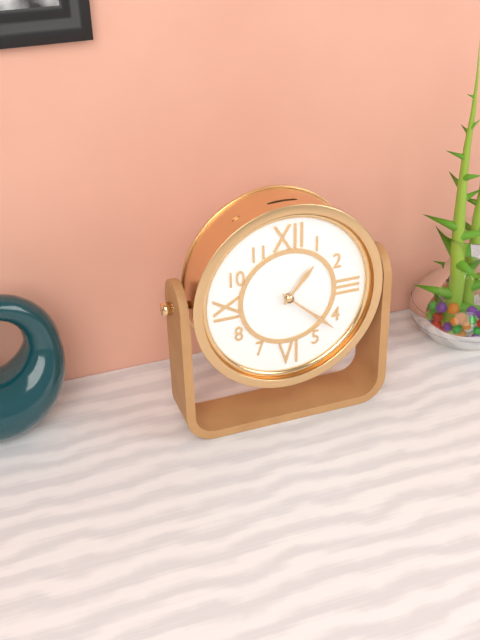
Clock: 1.22
